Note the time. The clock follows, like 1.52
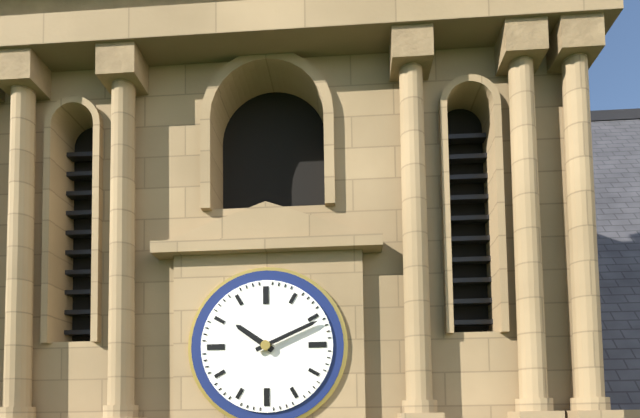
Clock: 10.11
